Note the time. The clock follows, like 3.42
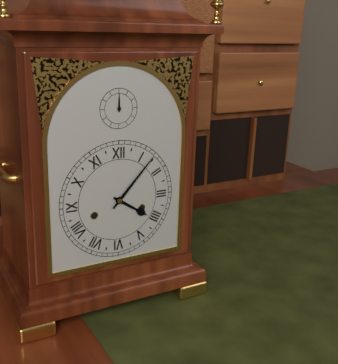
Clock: 4.07
